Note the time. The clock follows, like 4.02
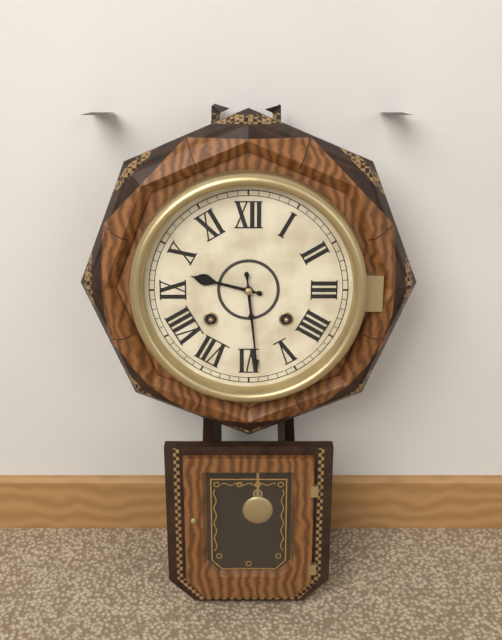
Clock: 9.29
